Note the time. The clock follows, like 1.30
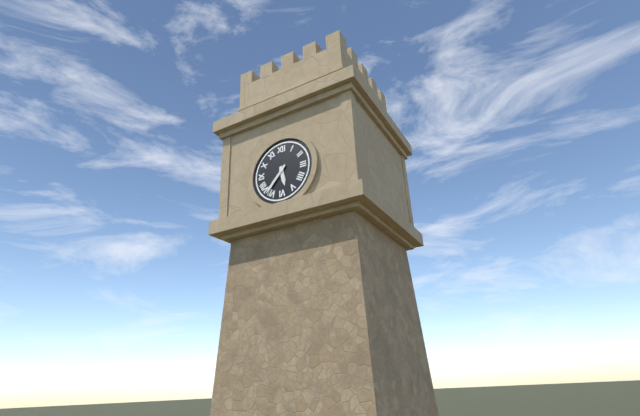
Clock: 5.37
